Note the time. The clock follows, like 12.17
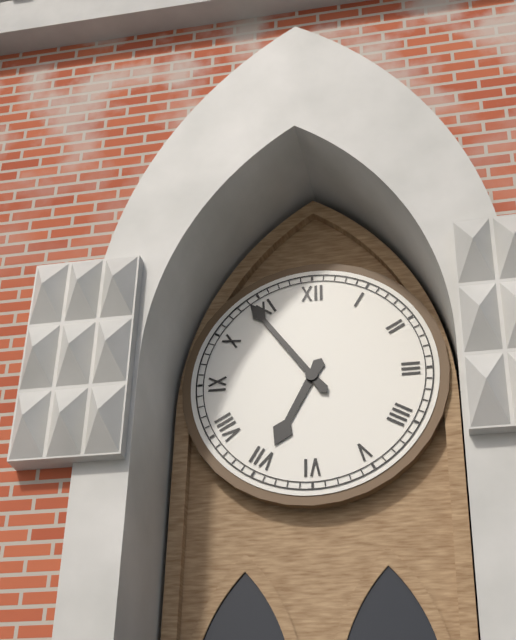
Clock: 6.54
